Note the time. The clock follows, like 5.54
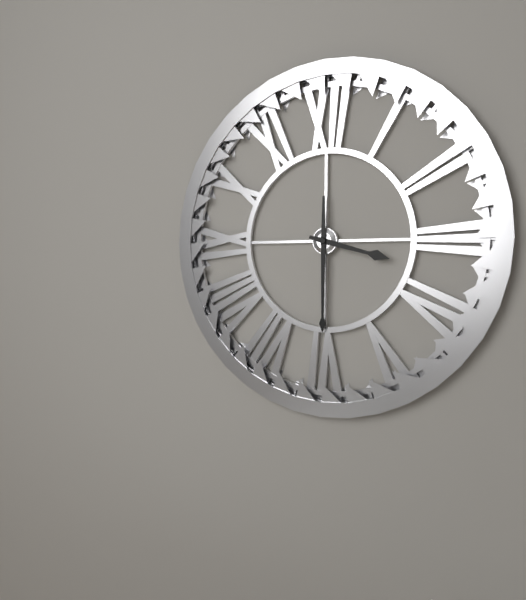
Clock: 3.30
